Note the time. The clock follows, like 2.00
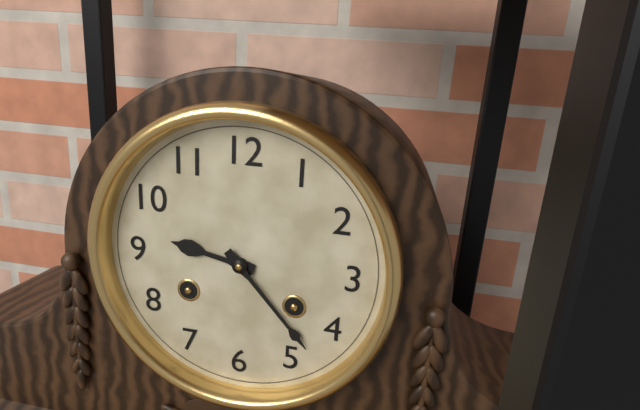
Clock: 9.23
